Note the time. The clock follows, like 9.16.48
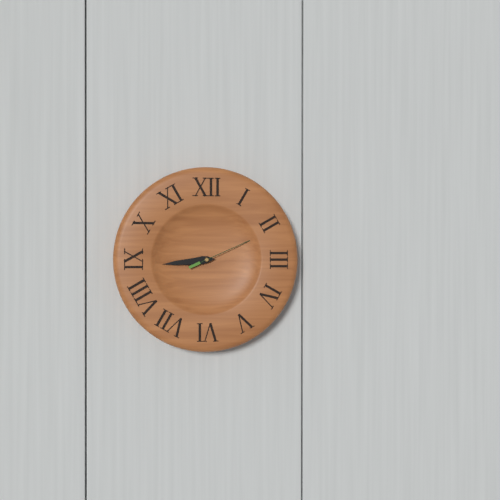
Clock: 8.44.11
